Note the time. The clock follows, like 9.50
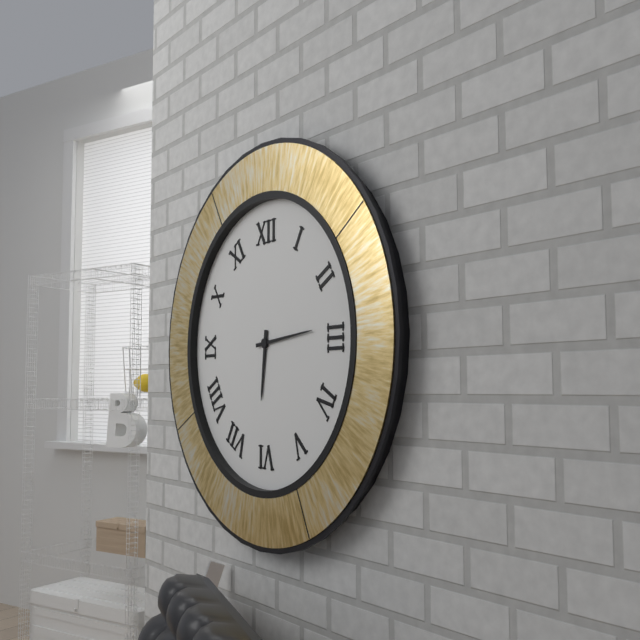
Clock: 6.14
